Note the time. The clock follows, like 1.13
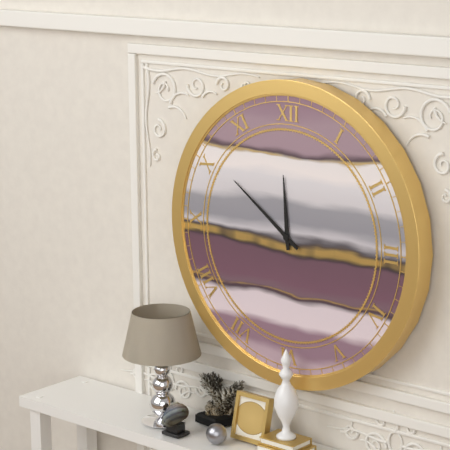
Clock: 11.51
